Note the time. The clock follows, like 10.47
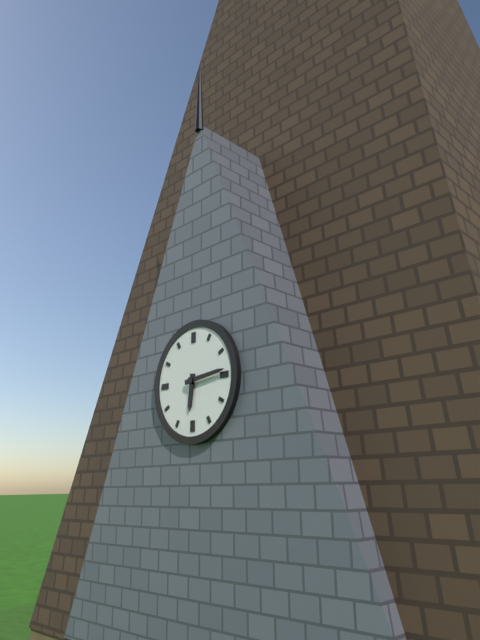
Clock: 6.14
